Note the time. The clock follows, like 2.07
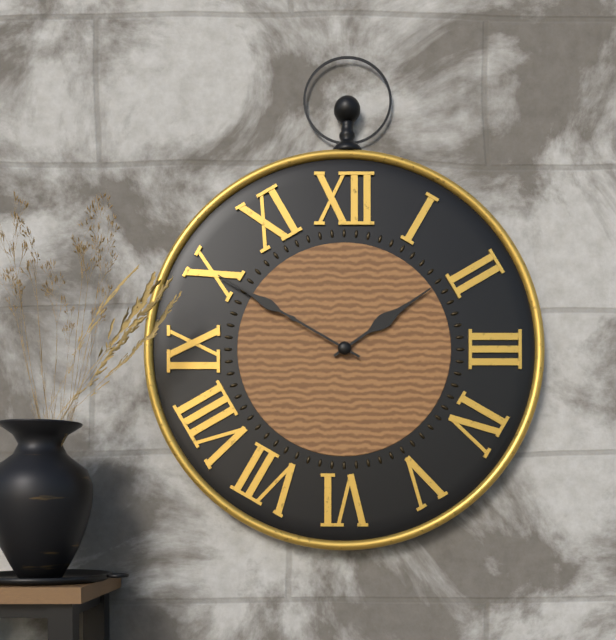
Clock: 1.50
